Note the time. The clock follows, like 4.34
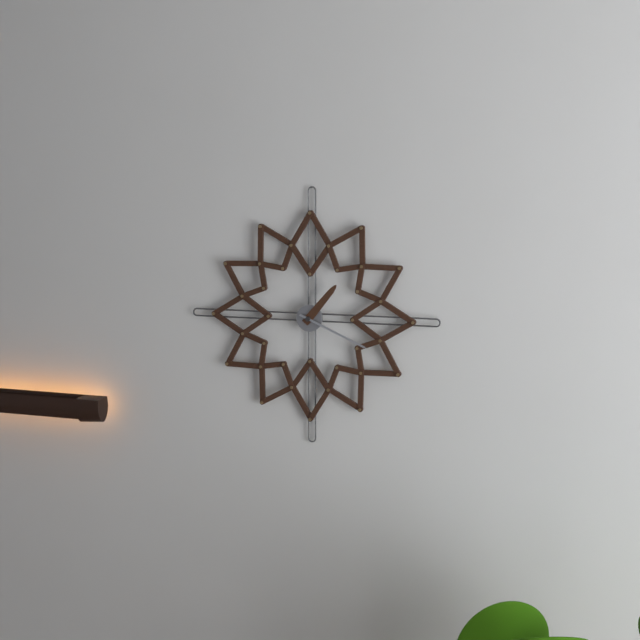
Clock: 1.19
